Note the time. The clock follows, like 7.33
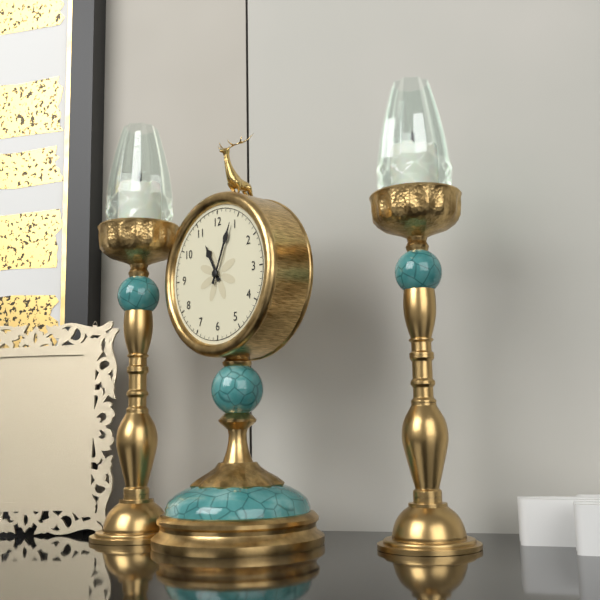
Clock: 11.04
